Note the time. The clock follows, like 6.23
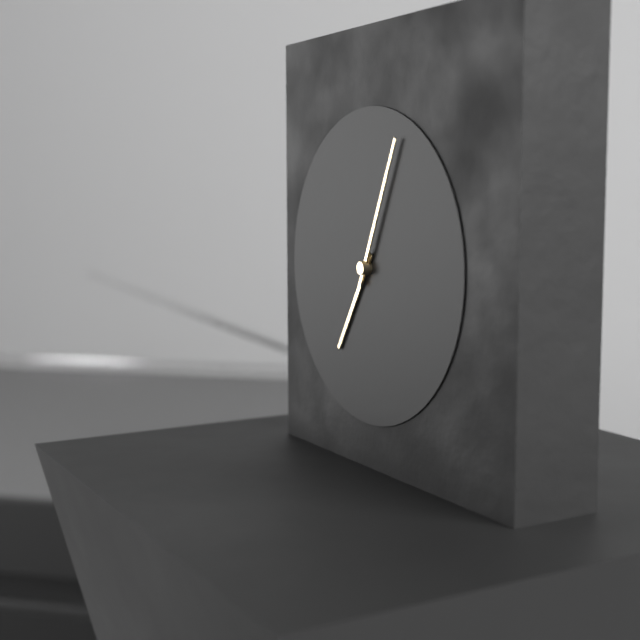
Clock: 7.04
